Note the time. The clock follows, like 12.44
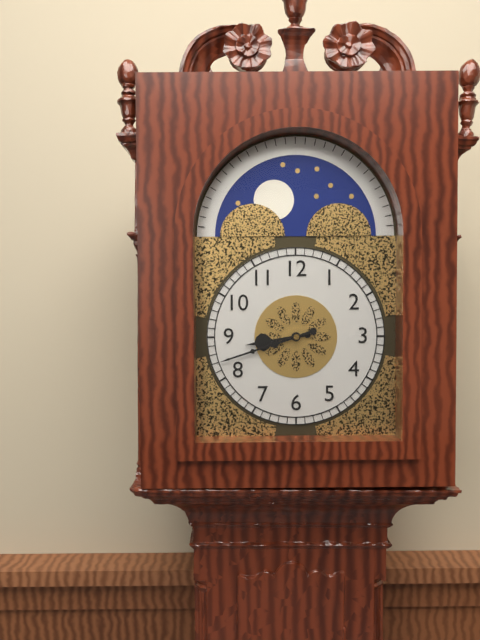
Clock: 8.42
